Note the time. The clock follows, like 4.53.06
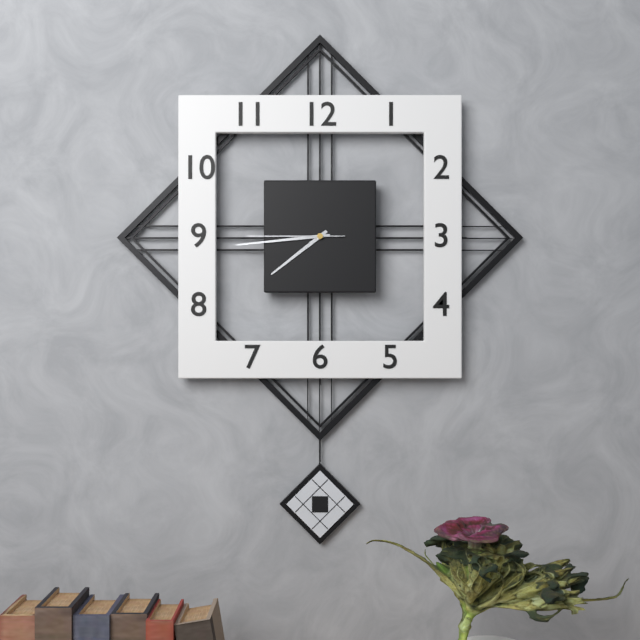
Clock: 7.44.45
